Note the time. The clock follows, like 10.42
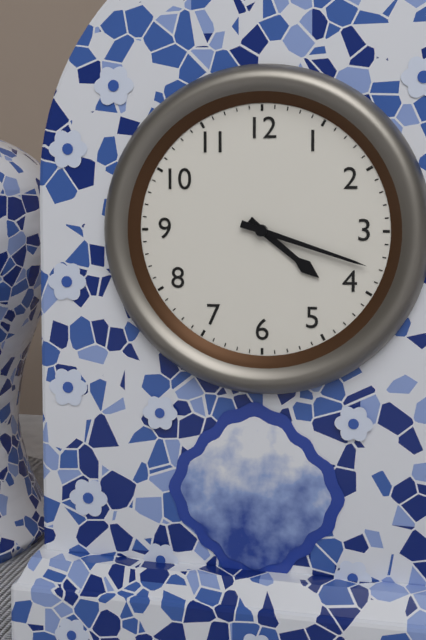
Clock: 4.18
